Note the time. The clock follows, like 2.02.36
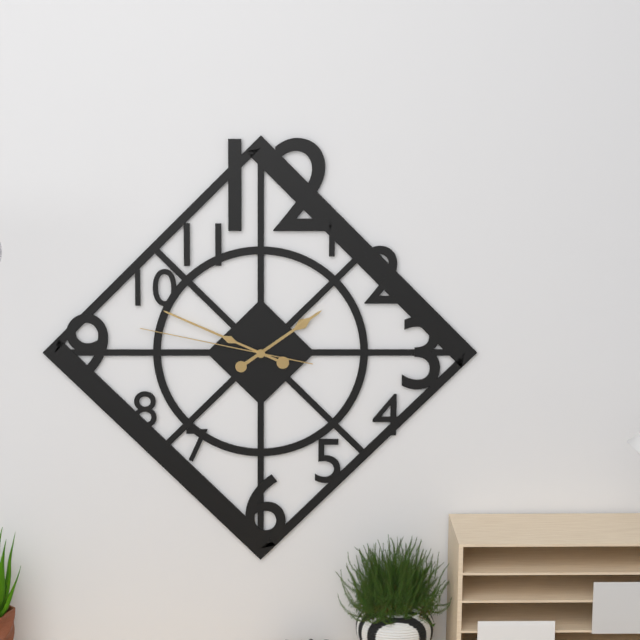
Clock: 1.49.47
